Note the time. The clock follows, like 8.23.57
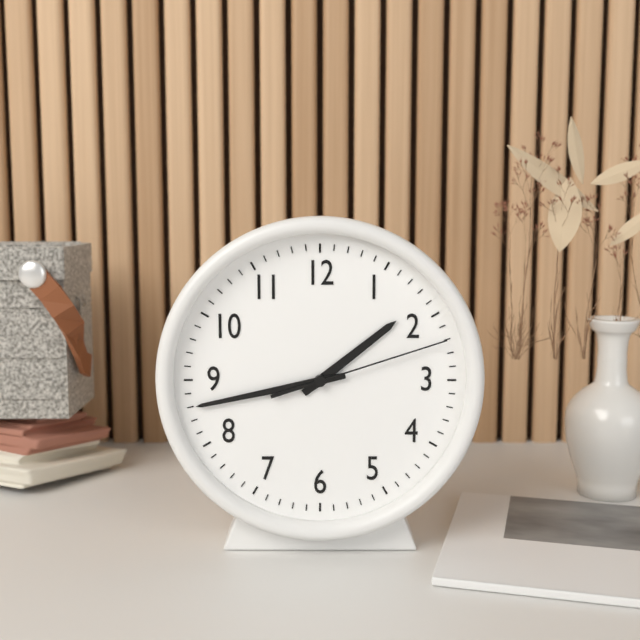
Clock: 1.43.12
